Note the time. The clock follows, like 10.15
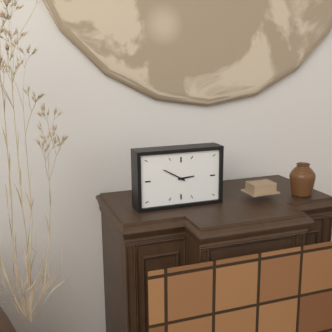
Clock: 2.50
